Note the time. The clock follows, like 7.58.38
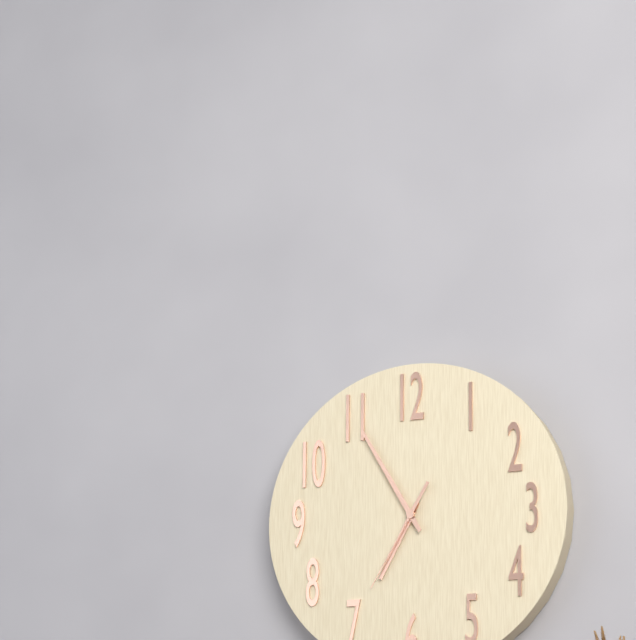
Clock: 6.55.35
